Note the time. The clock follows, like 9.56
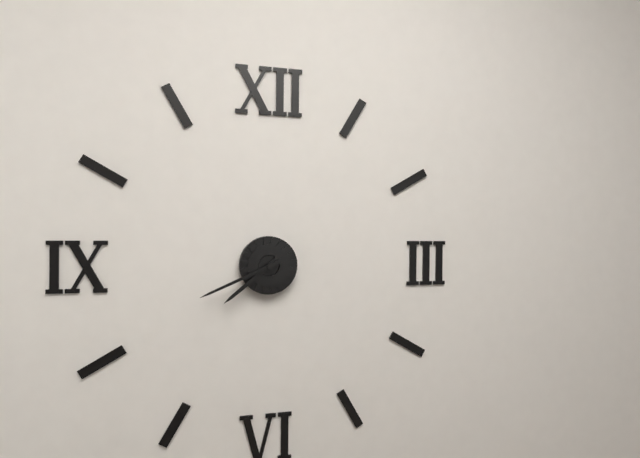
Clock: 7.41
